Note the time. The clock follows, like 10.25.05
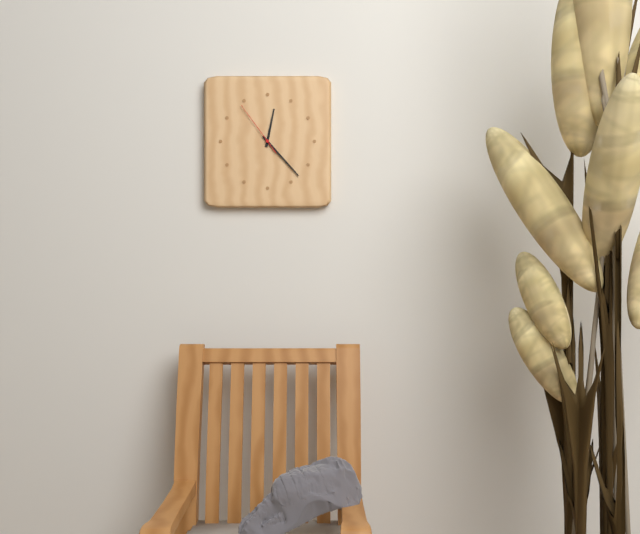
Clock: 12.23.54
